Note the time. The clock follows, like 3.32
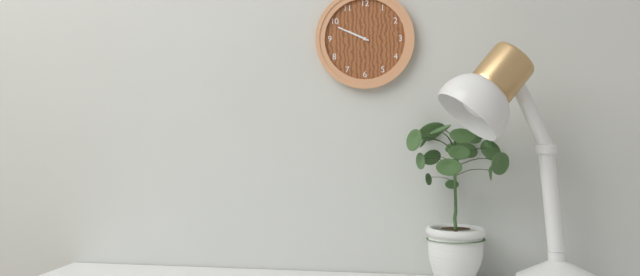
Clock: 9.49
